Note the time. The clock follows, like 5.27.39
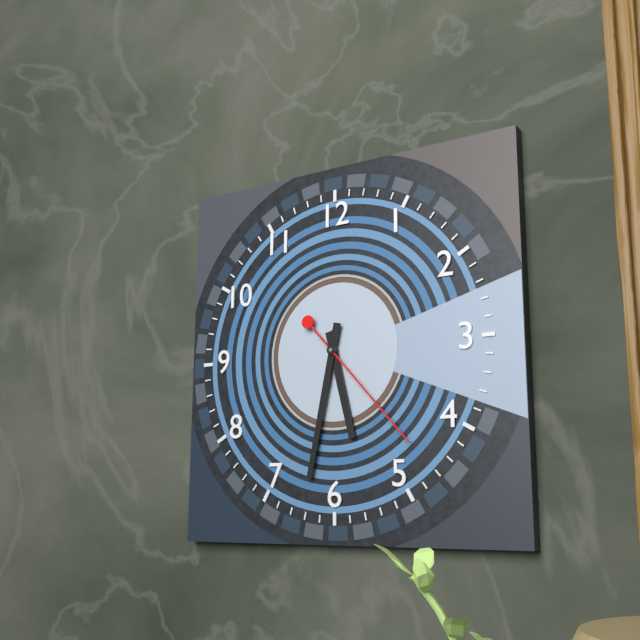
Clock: 5.32.23
